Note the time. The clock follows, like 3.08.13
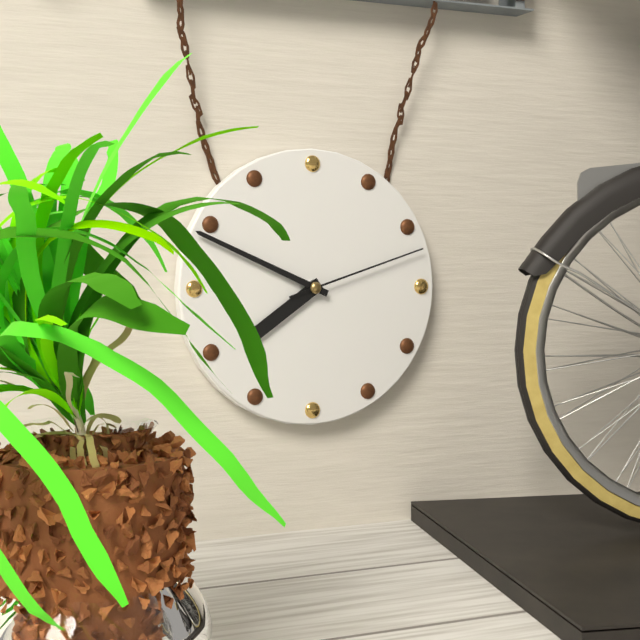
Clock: 7.49.12
